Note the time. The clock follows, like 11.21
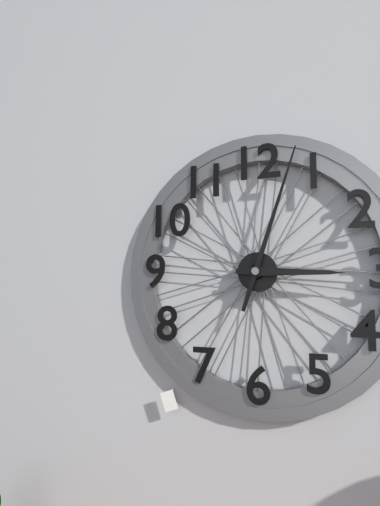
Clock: 3.03
